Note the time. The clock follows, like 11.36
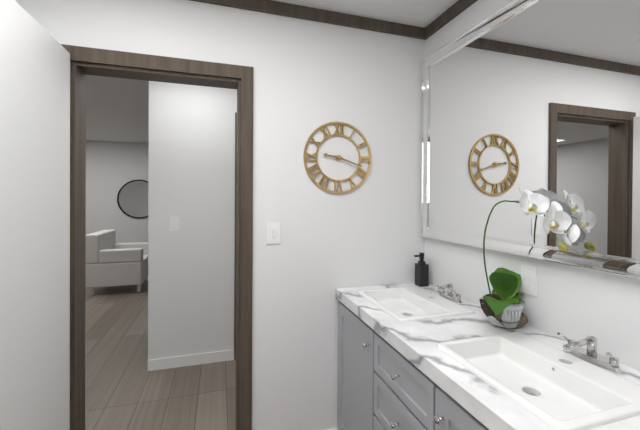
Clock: 9.18
